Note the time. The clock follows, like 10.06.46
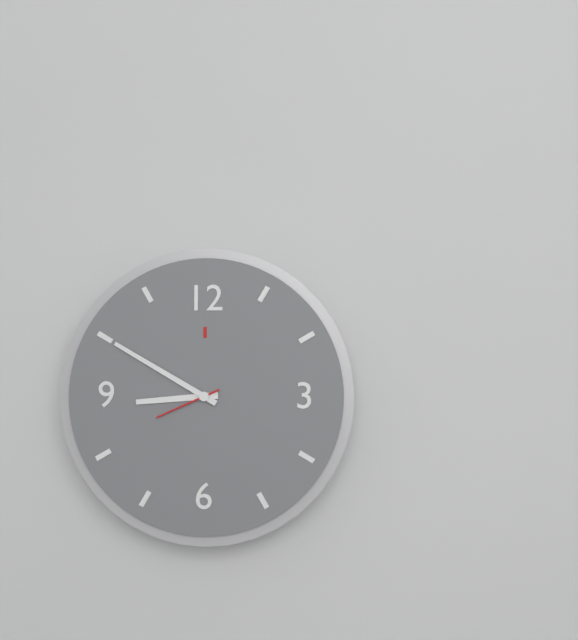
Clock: 8.50.41
